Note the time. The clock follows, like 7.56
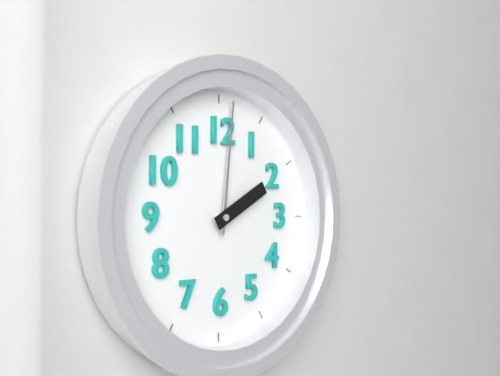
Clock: 2.01
